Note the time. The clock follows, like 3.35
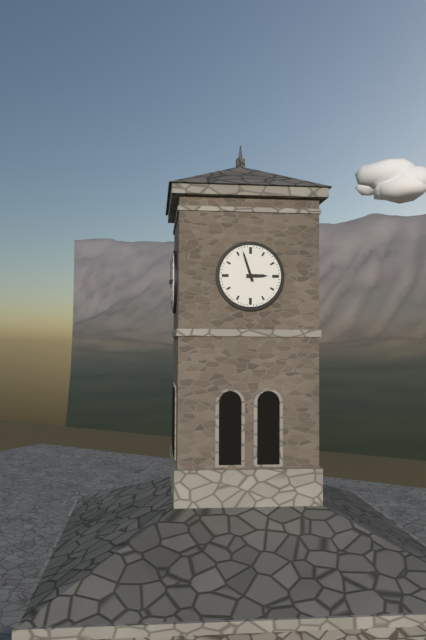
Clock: 2.57
